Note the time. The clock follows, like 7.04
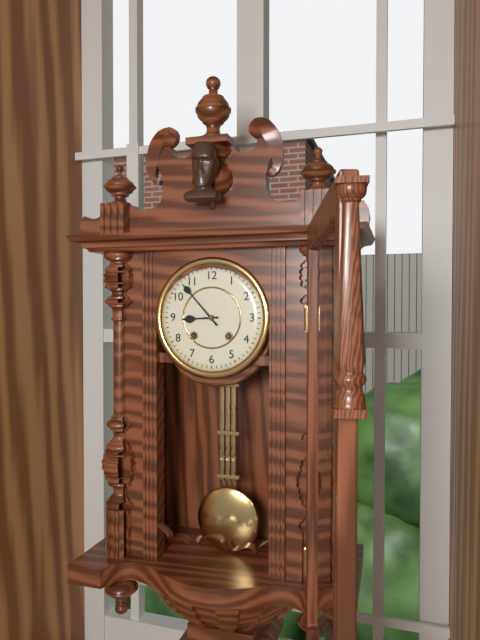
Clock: 8.53
